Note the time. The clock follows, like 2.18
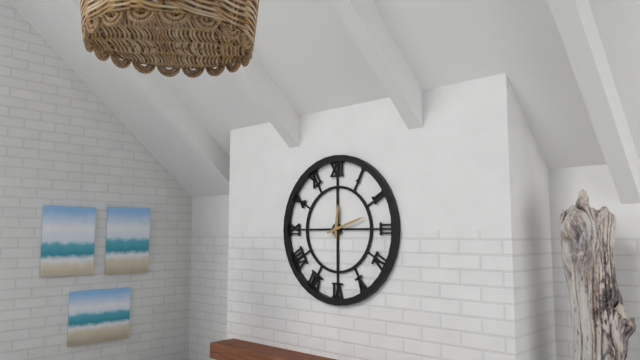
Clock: 12.12
